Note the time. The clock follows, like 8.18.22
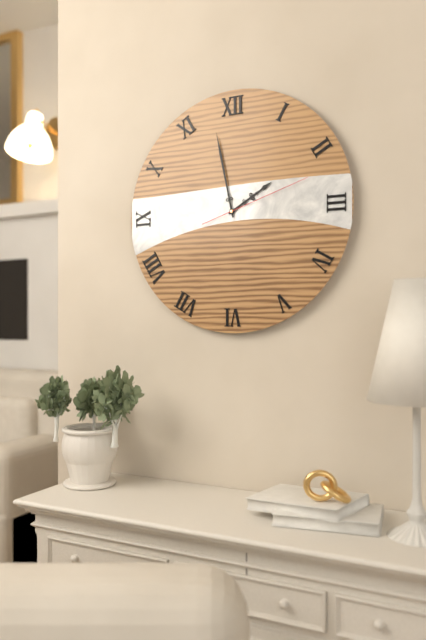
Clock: 1.58.12
